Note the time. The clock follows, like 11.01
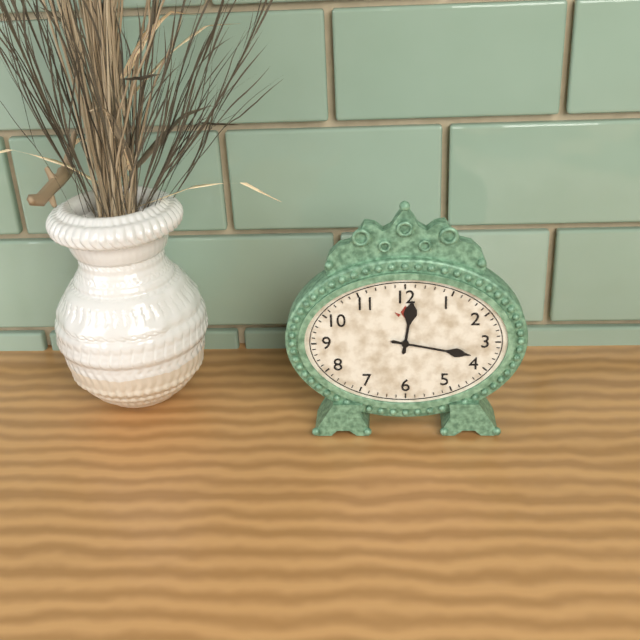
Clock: 12.17
